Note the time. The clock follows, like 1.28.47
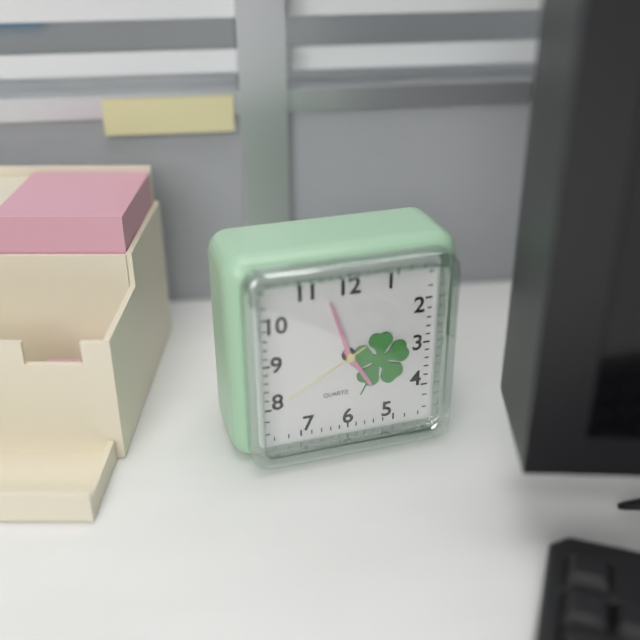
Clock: 4.57.40
